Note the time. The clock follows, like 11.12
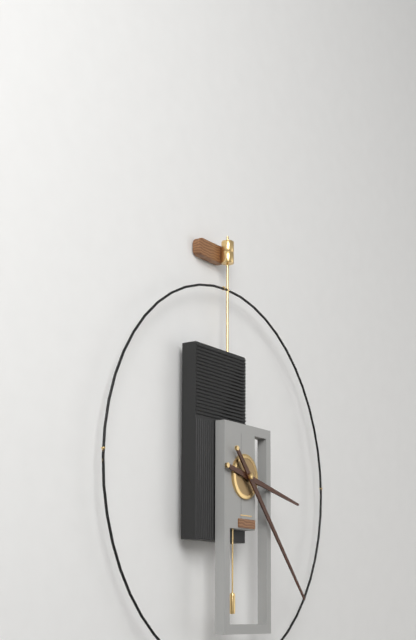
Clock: 3.23
